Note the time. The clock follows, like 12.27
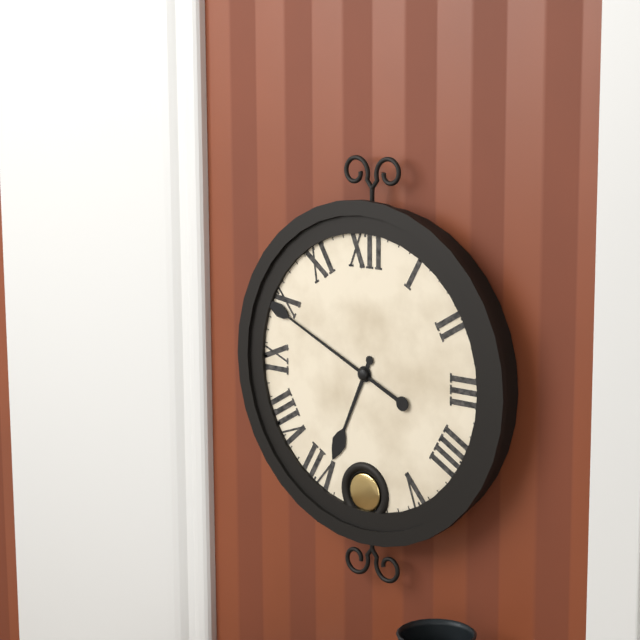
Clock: 6.49
